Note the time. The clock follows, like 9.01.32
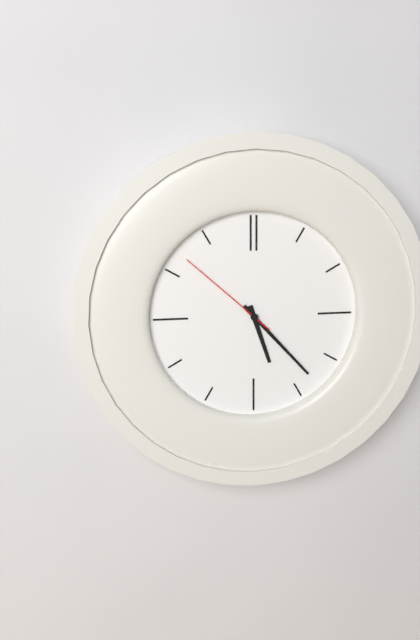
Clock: 5.23.52
